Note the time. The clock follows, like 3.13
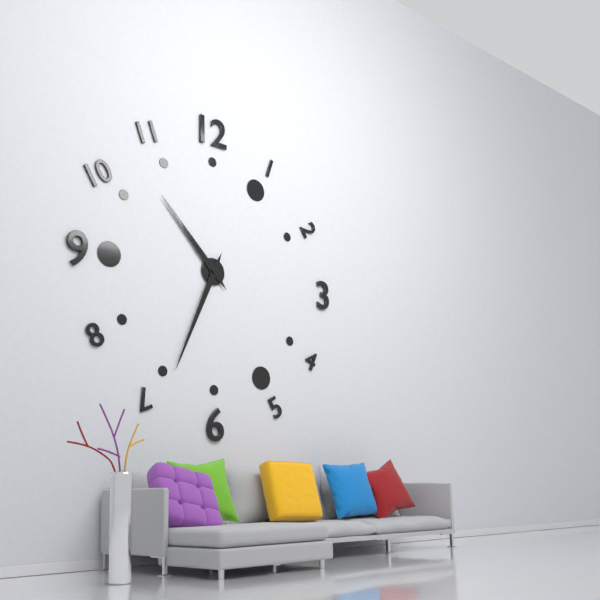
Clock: 10.34
